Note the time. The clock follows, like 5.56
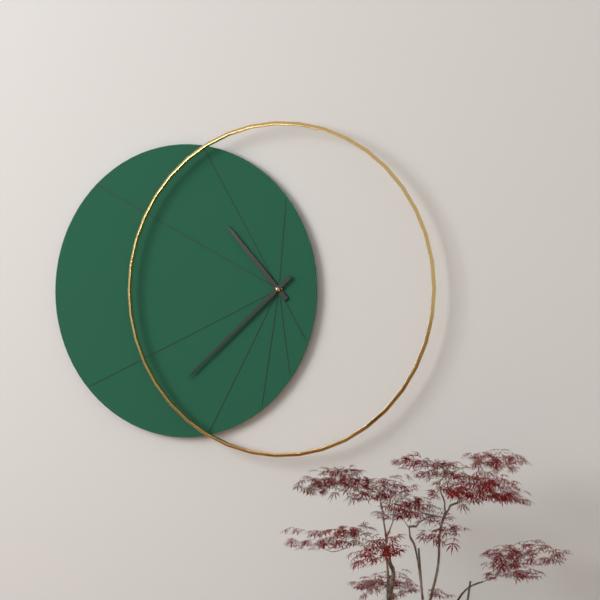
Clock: 10.38
